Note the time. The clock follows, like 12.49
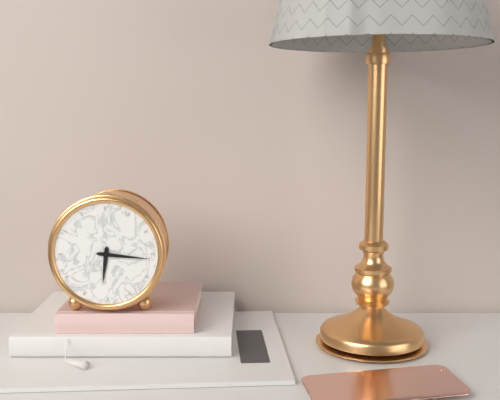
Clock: 6.16
